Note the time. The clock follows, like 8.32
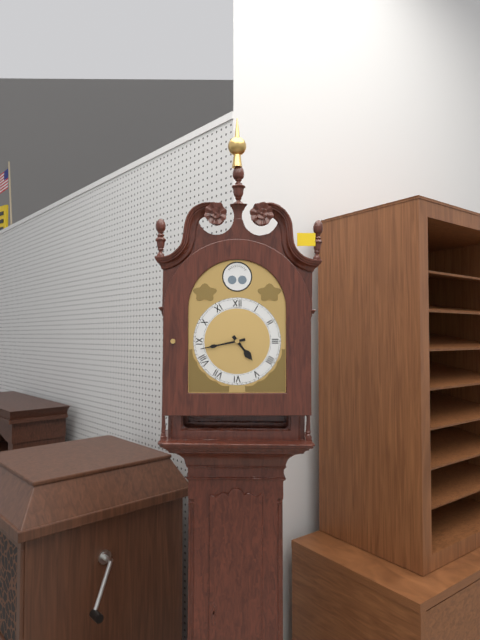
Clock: 4.43
